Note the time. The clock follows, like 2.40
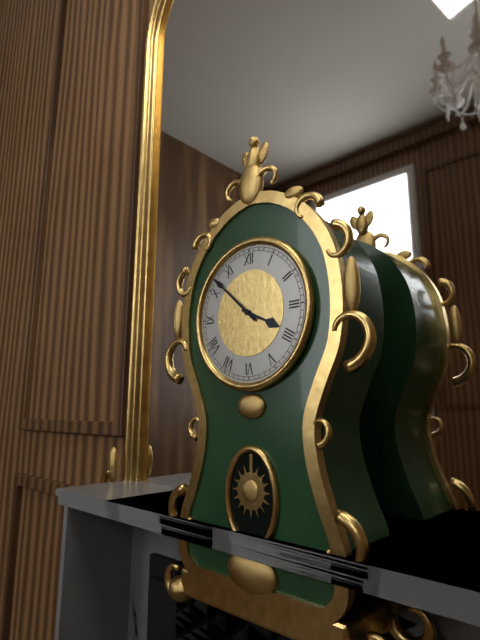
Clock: 3.52
